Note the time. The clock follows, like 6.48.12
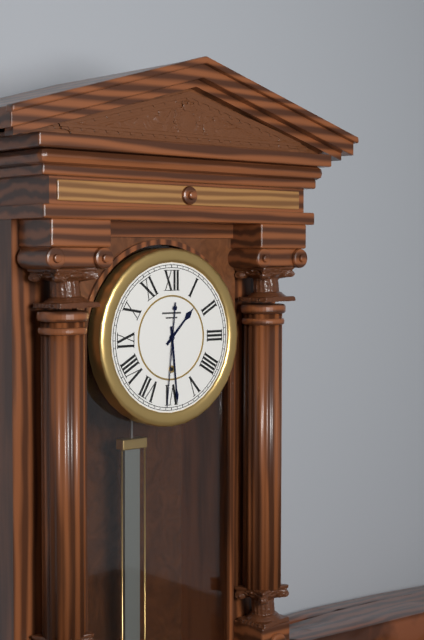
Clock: 1.29.31
